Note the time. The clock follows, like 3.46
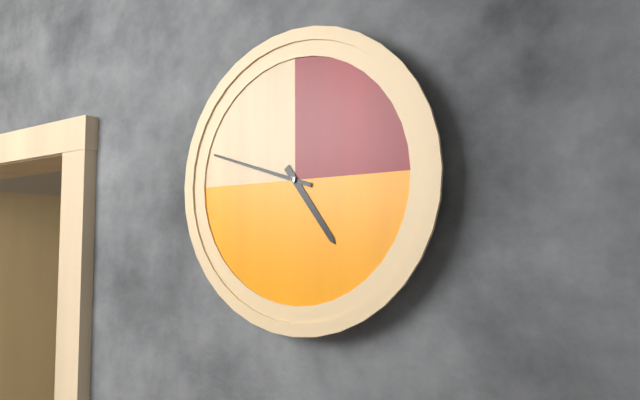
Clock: 4.48
